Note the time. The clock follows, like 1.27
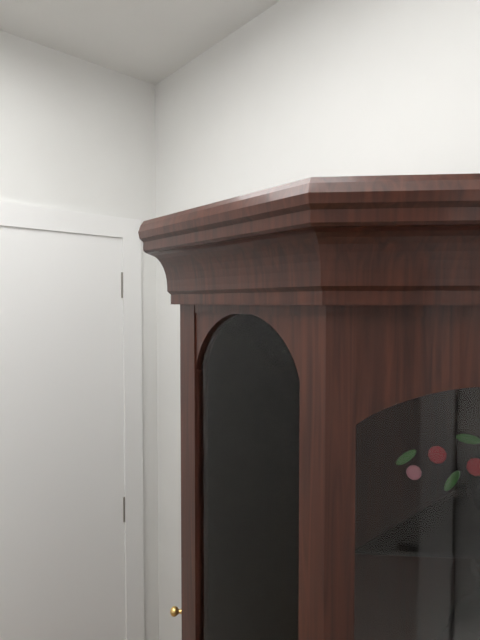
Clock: 12.24
